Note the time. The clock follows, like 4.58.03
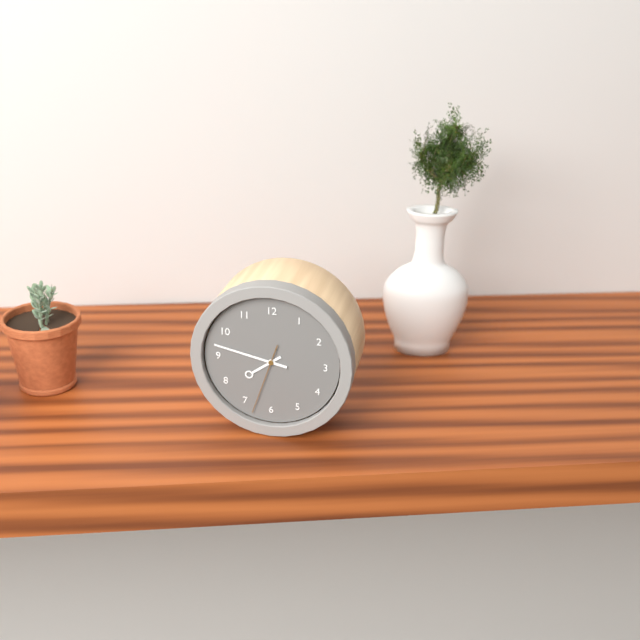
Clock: 7.47.33
